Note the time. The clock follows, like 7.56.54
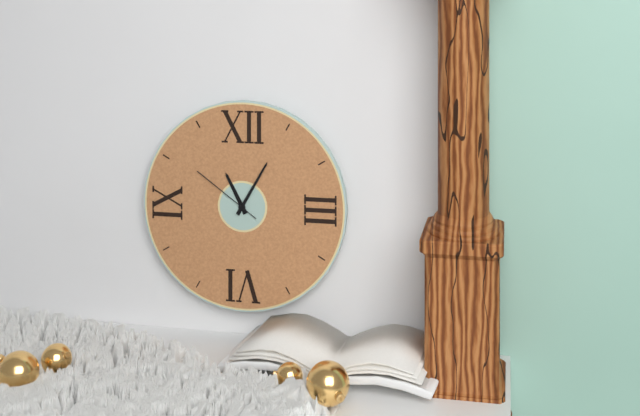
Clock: 11.05.51
